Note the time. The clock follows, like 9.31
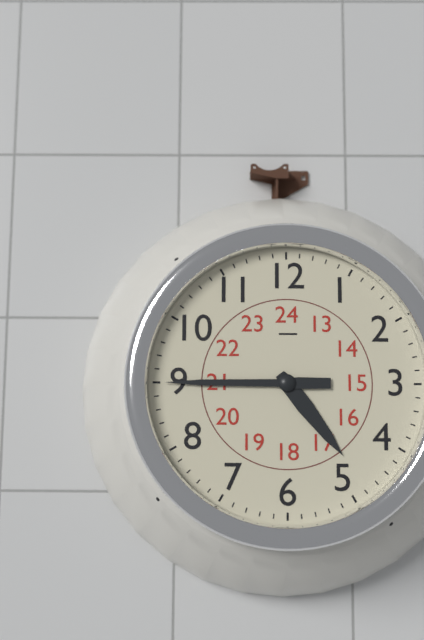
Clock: 4.45
